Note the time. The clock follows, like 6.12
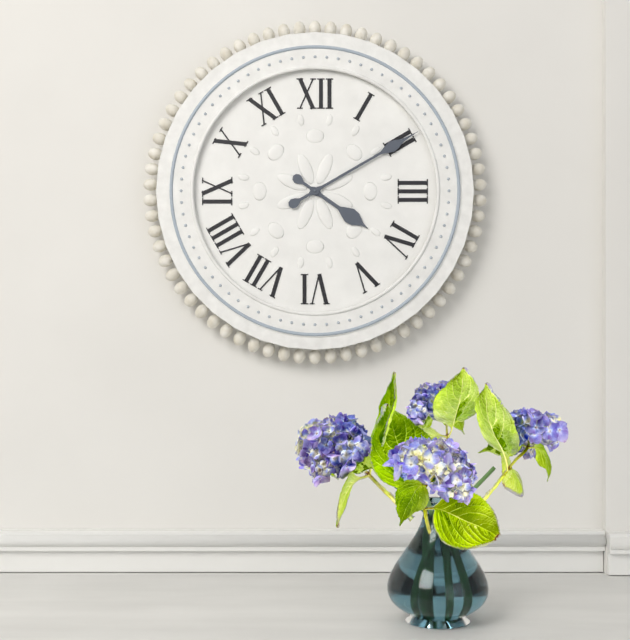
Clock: 4.10
